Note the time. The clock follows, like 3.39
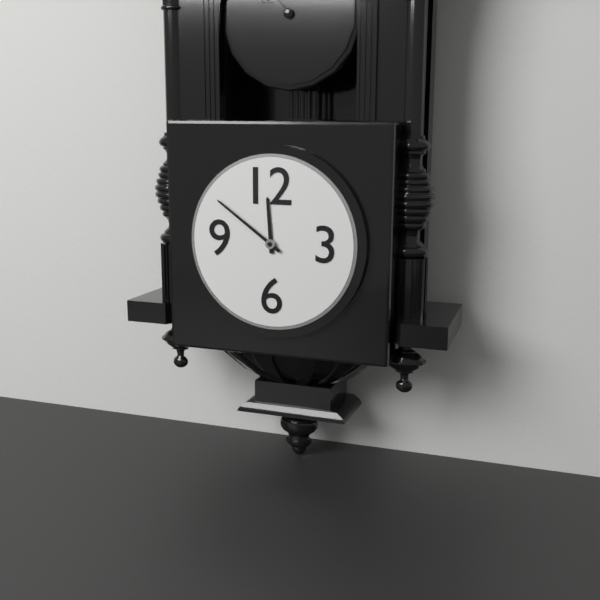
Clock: 11.51
